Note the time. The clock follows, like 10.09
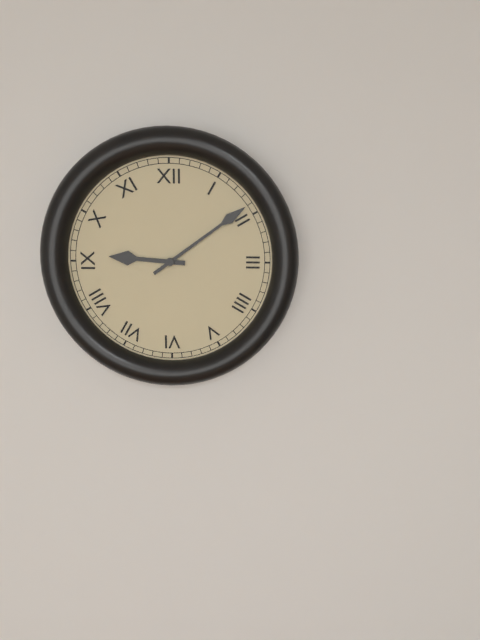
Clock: 9.09
